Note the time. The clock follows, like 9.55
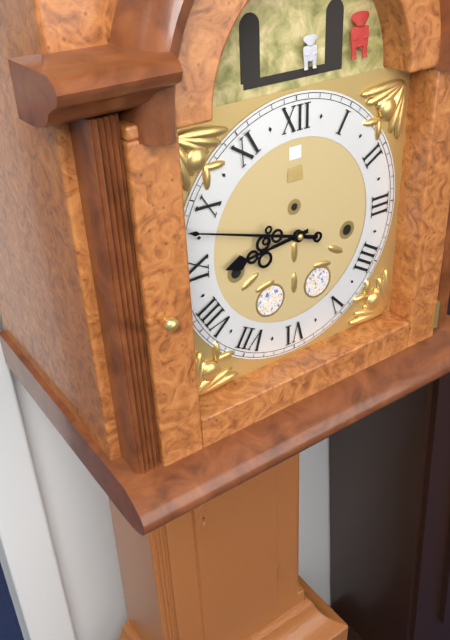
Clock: 8.48
